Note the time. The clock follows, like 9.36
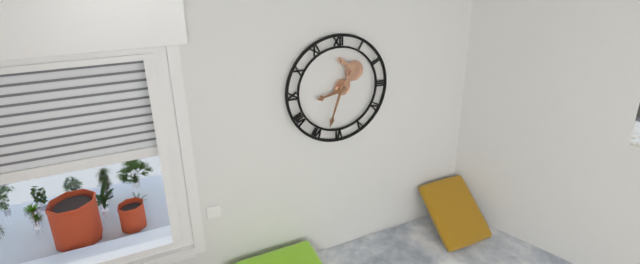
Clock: 8.33
